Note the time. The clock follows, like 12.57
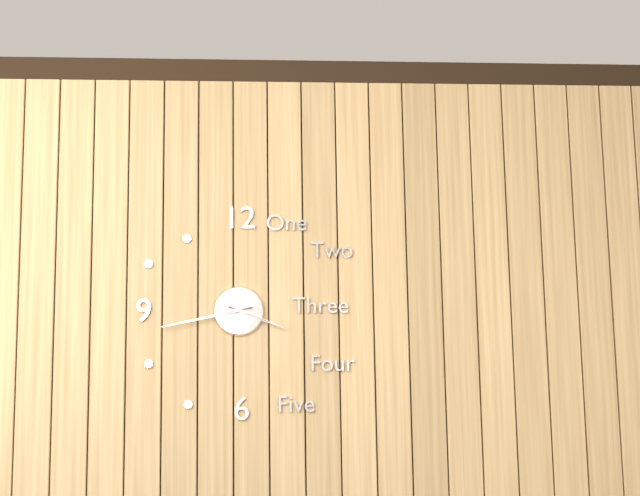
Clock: 3.43
